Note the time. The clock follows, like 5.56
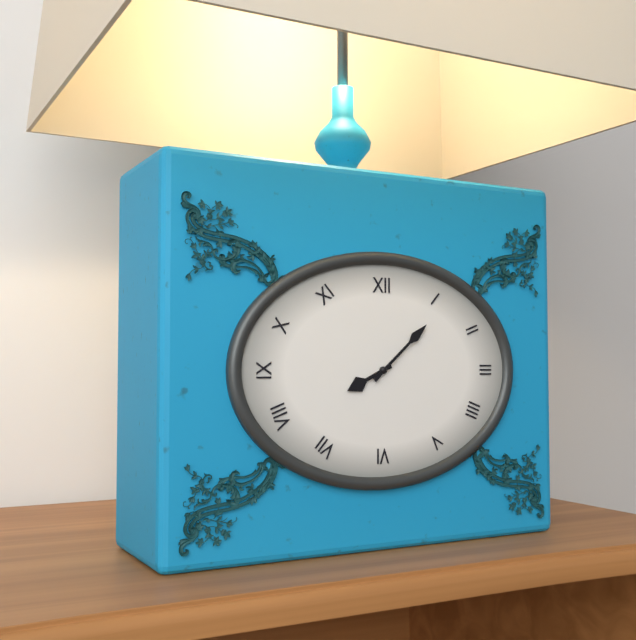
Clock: 8.08
